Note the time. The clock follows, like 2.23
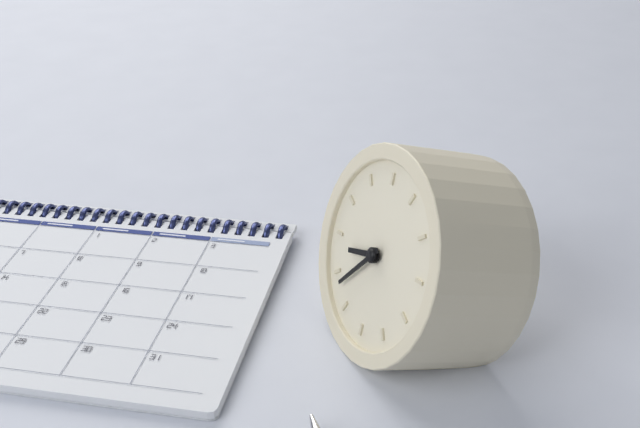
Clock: 8.38
